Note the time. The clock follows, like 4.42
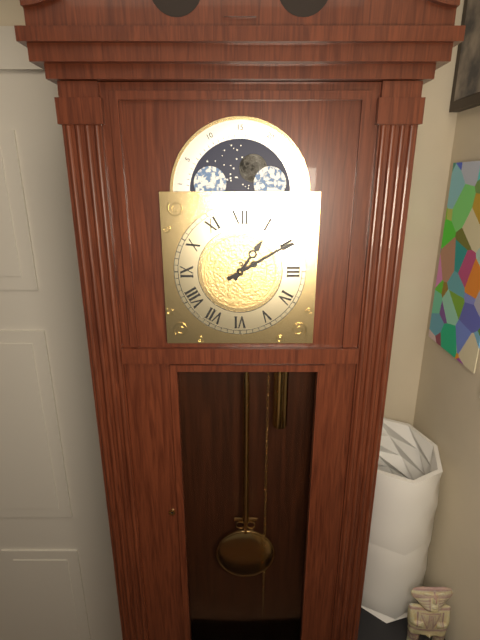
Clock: 1.10
